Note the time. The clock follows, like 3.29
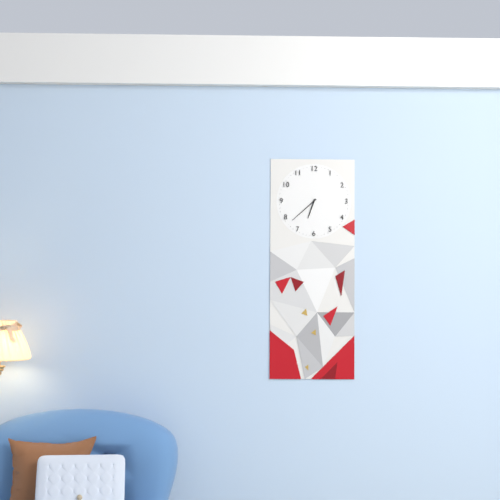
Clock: 6.38
